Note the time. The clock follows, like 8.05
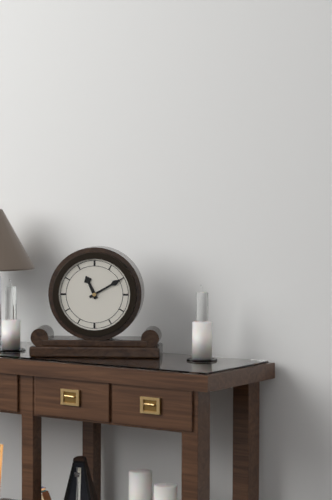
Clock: 11.10
